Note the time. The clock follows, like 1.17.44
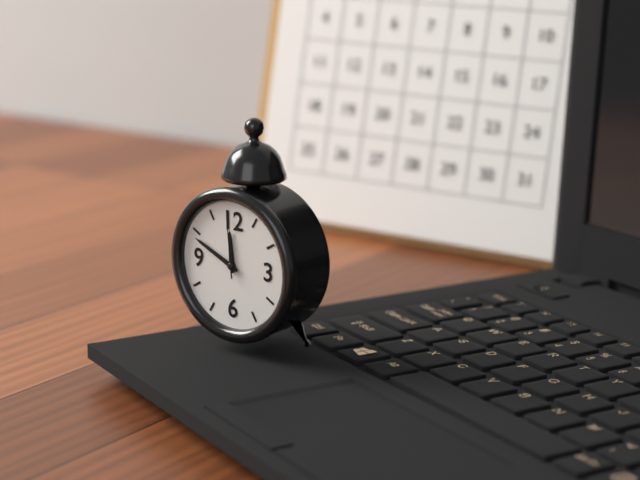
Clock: 11.49.59
